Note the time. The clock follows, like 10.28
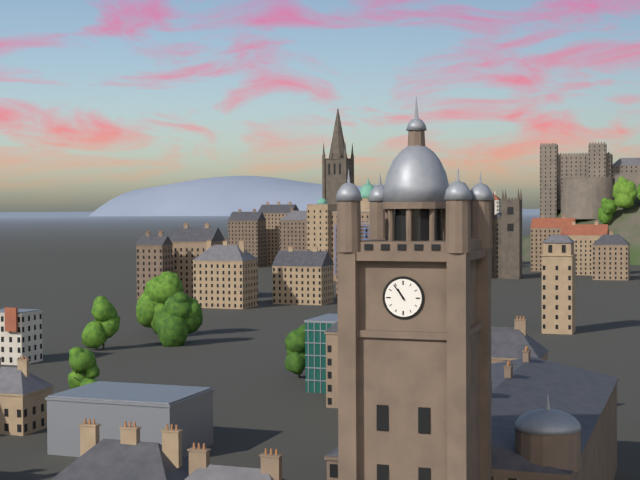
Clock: 10.54
